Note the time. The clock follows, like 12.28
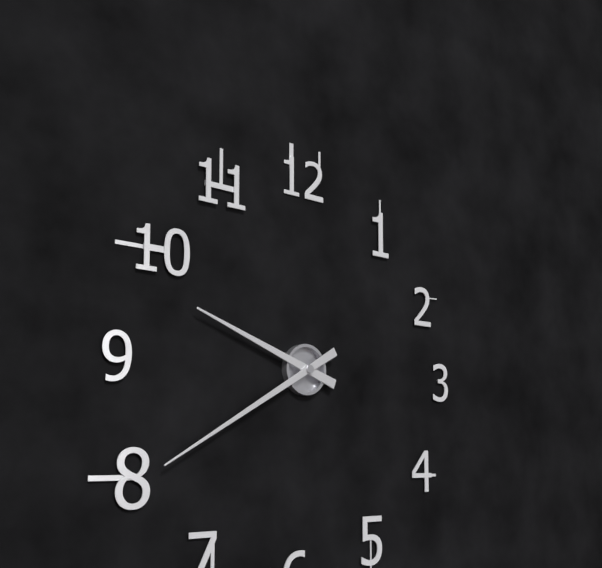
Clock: 9.40
